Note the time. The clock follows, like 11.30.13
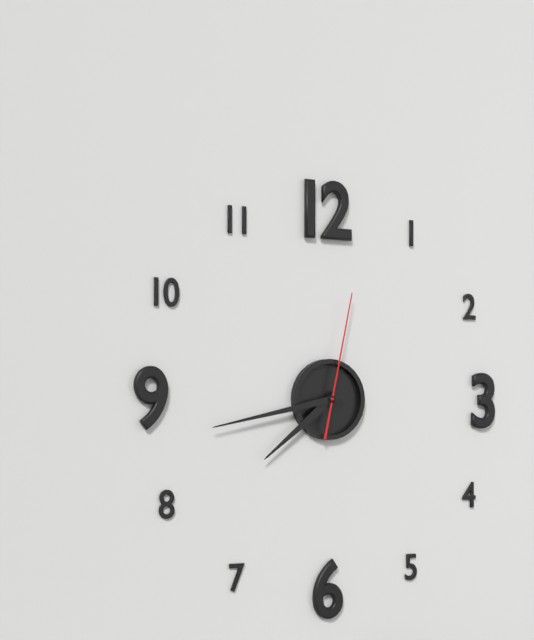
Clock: 7.43.02
